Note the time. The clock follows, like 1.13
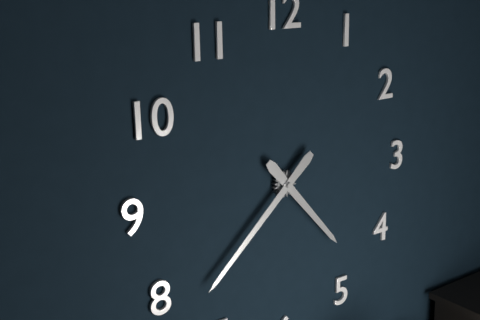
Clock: 4.38
